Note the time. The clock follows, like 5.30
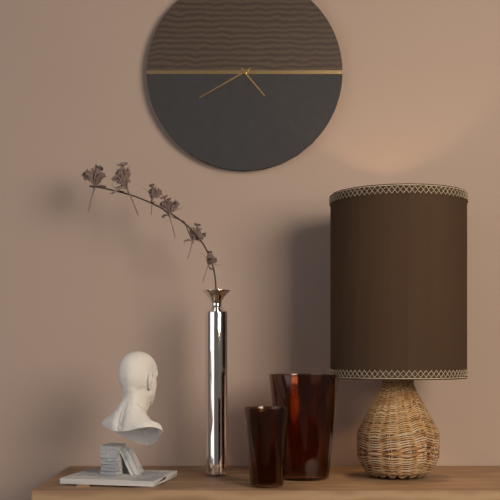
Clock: 4.40
